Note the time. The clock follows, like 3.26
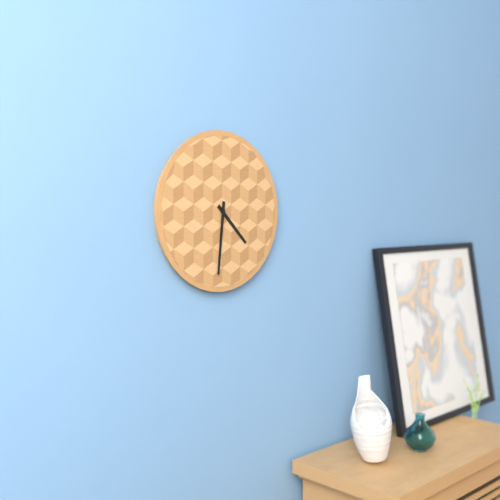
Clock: 4.31
